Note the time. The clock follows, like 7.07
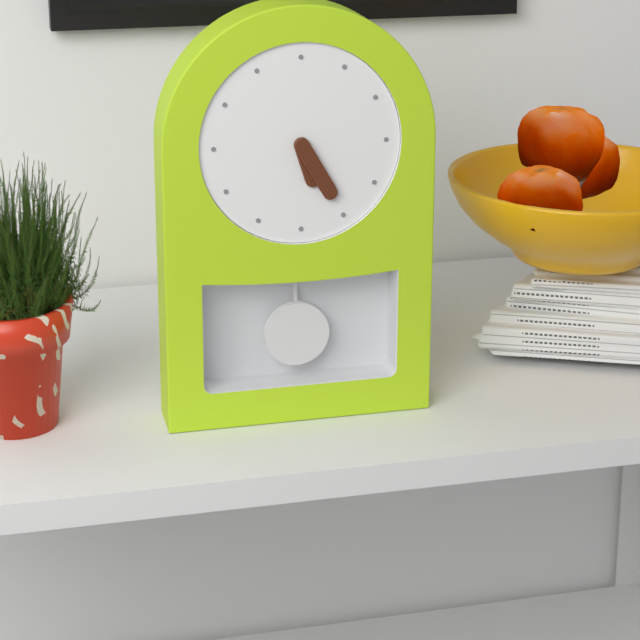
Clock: 5.25
